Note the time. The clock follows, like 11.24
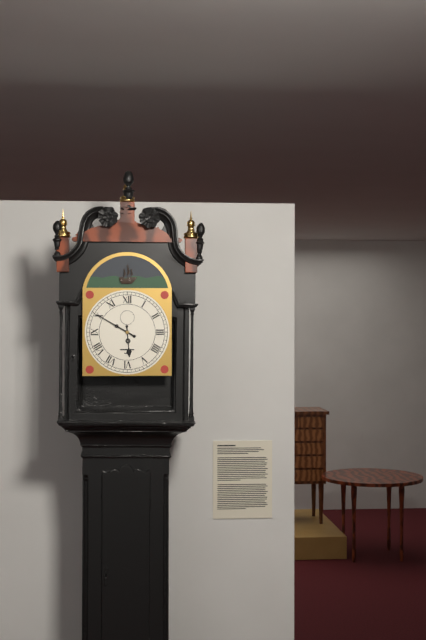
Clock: 5.50
